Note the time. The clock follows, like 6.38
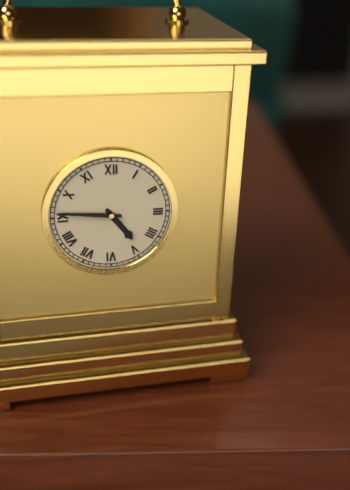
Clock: 4.46
